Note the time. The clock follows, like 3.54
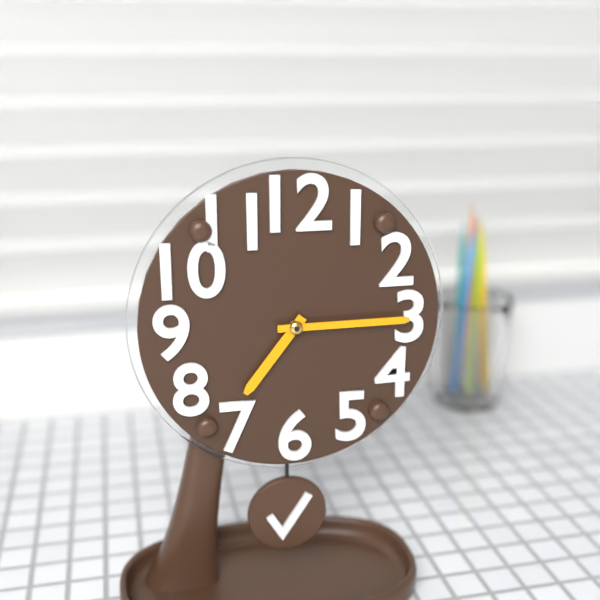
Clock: 7.15
